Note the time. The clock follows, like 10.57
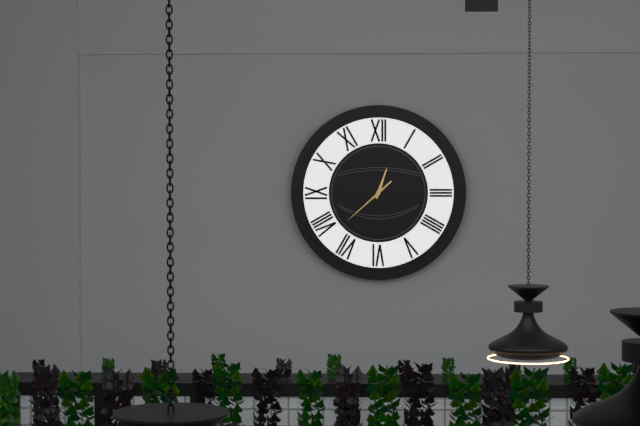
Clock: 12.38
